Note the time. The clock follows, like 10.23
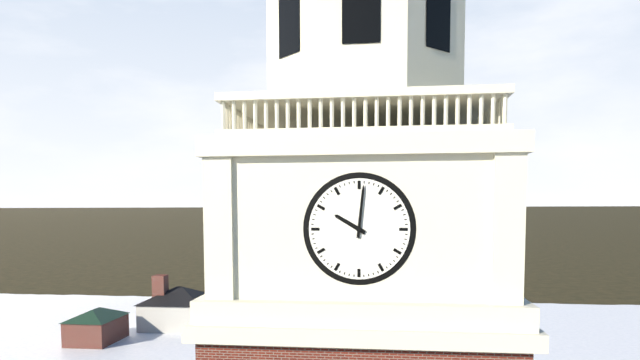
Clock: 10.01
